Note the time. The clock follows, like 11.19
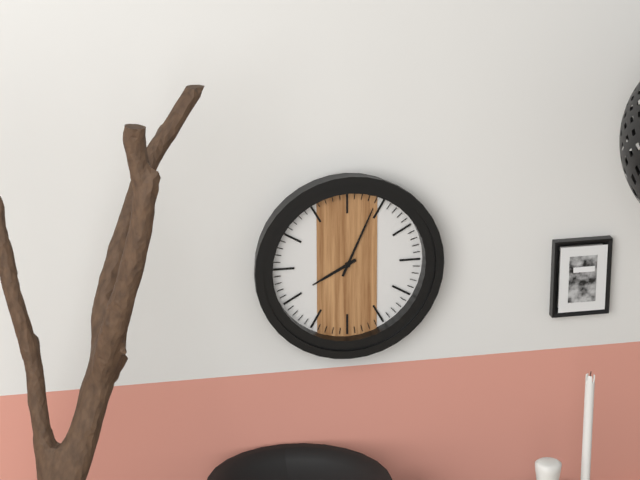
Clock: 8.04
